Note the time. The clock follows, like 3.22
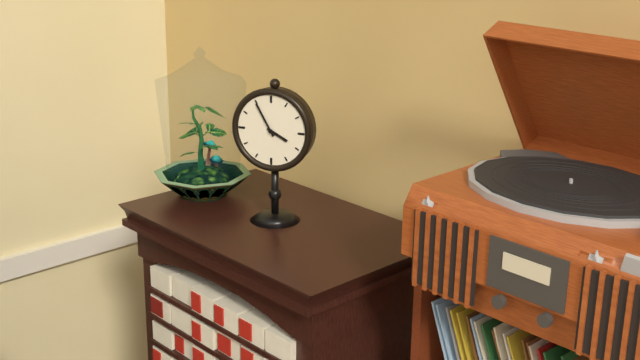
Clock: 3.55
